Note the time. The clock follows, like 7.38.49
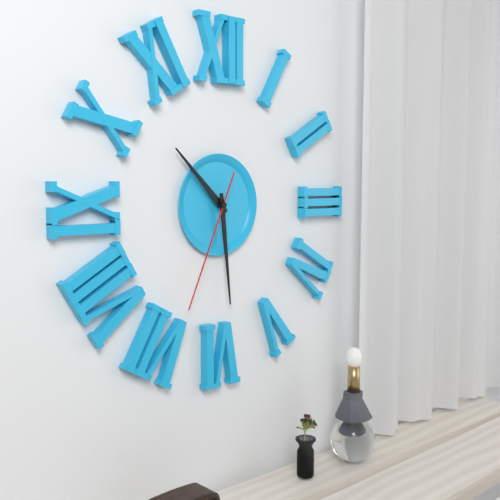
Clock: 10.29.34
